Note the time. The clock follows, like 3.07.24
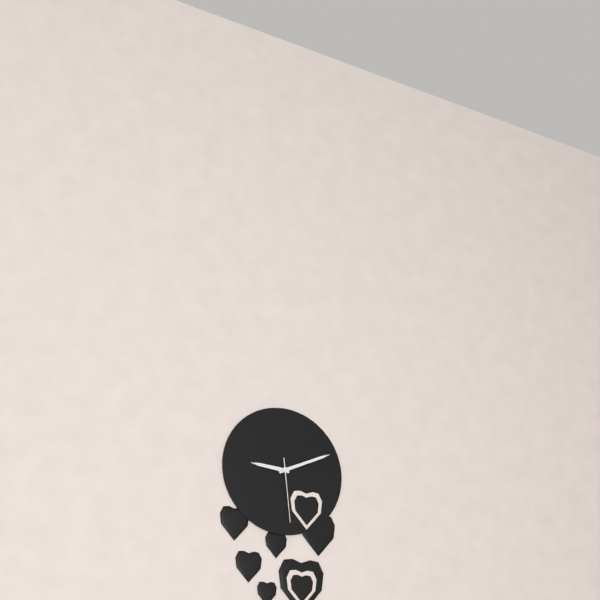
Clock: 9.11.29
